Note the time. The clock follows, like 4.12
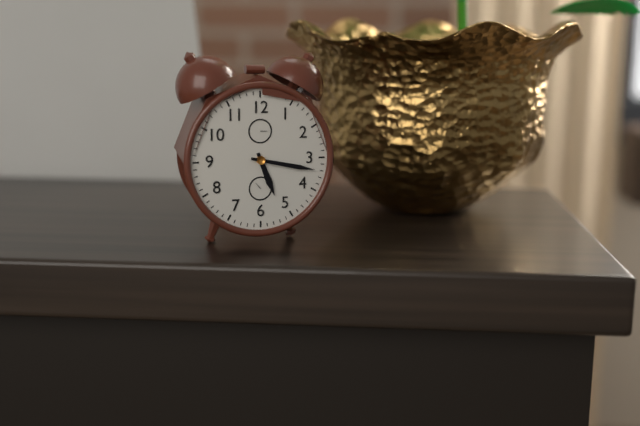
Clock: 5.17
